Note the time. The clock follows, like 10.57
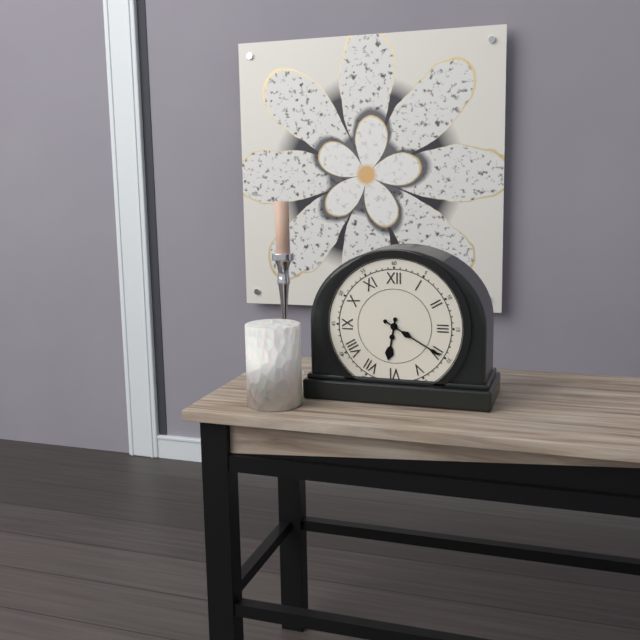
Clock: 6.20
